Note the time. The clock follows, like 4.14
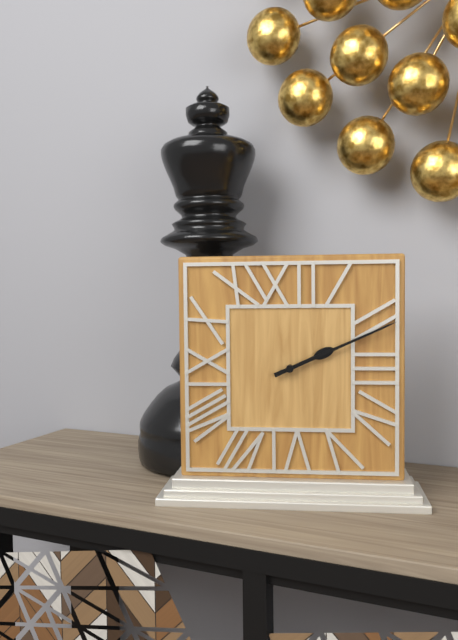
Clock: 2.11
